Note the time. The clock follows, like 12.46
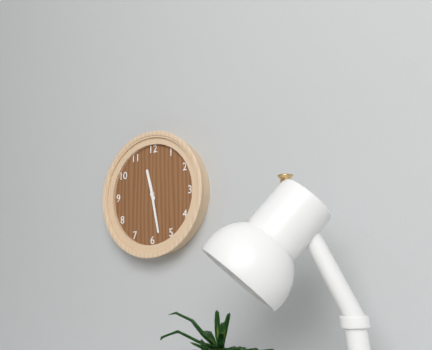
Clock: 11.28
